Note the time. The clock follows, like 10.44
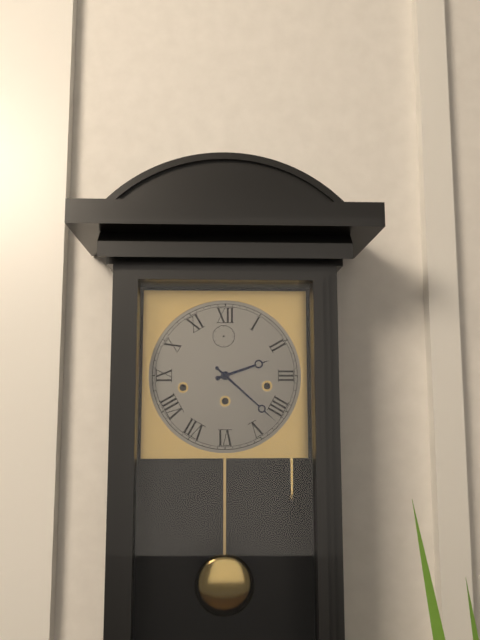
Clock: 2.22
